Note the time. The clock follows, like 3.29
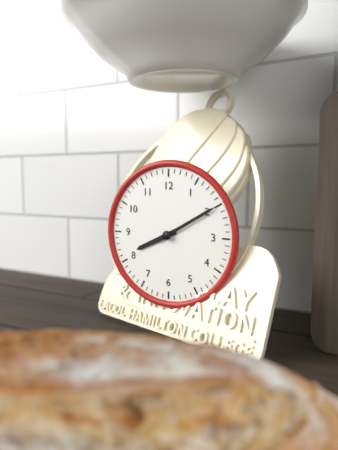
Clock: 8.10
